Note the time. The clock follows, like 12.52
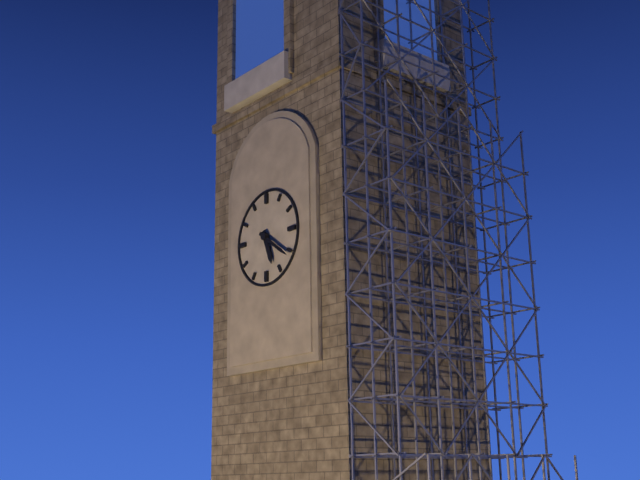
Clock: 5.21
